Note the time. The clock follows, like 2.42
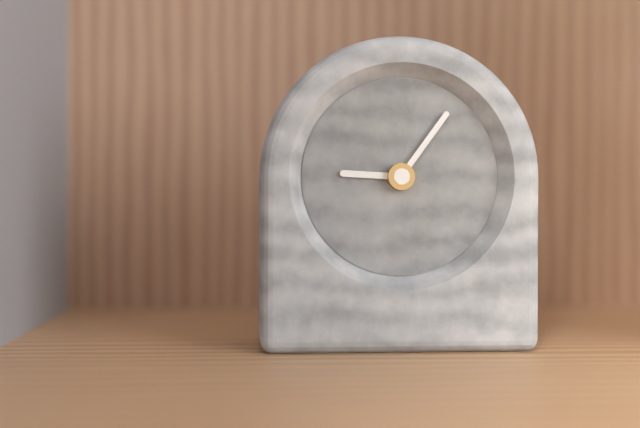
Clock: 9.06
